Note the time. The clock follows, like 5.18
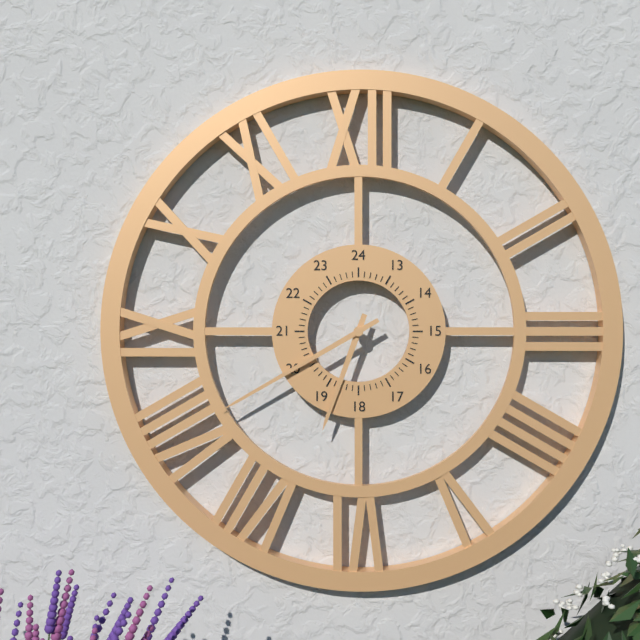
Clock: 6.40
